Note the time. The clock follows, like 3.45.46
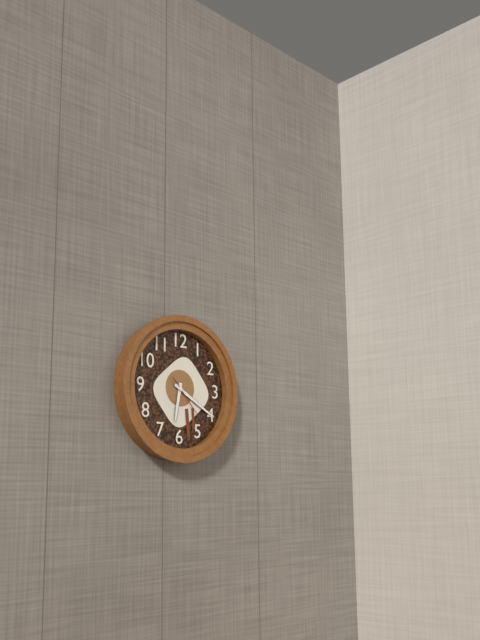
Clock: 6.20.23
